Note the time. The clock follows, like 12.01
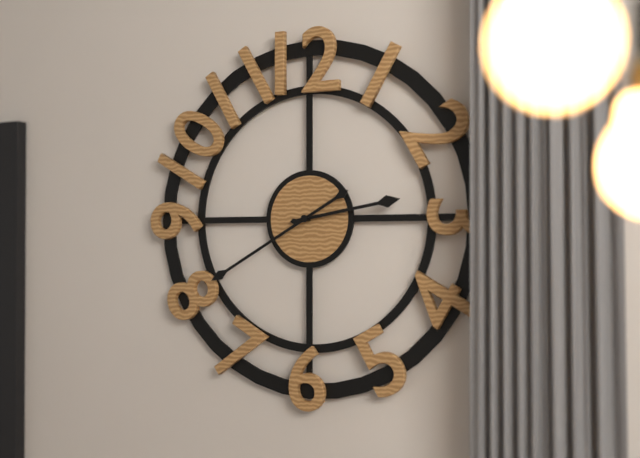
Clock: 2.40
